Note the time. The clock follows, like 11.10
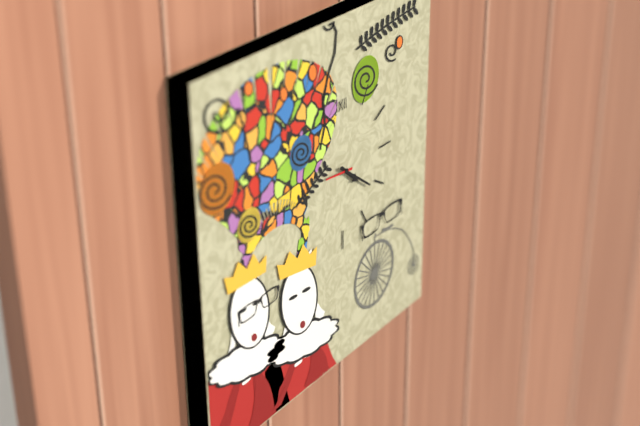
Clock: 4.21
